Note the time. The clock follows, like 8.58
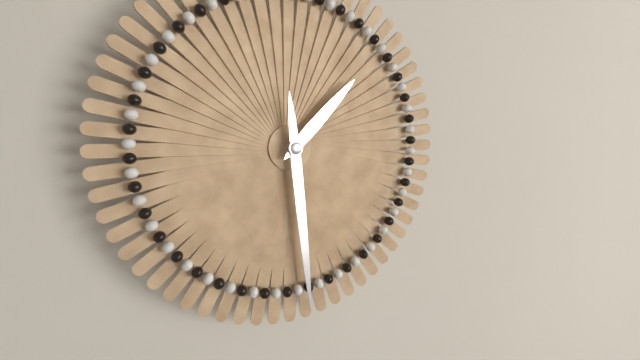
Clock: 1.29
